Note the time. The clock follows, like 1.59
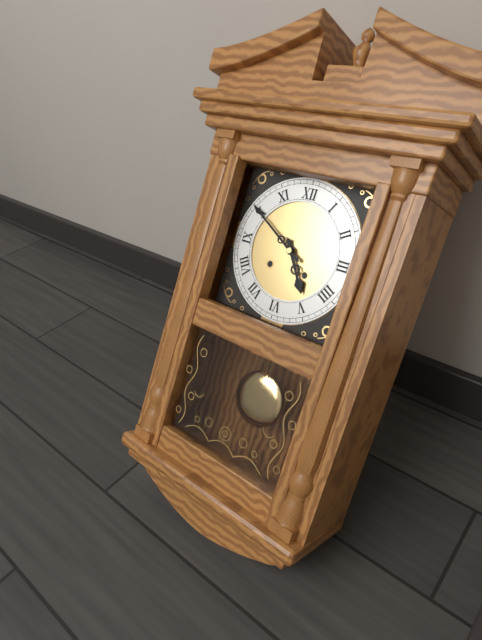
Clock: 4.50
